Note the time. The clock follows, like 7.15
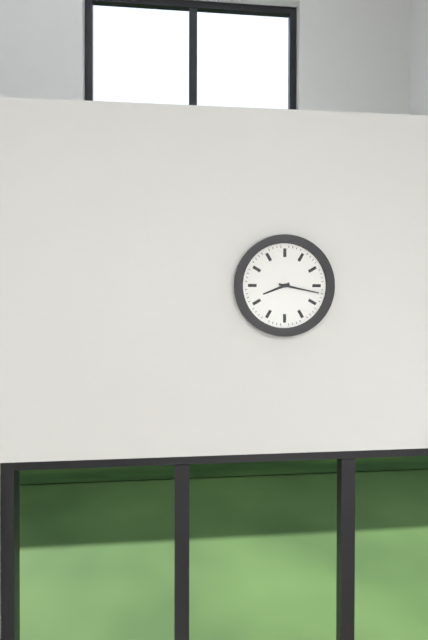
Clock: 8.17
